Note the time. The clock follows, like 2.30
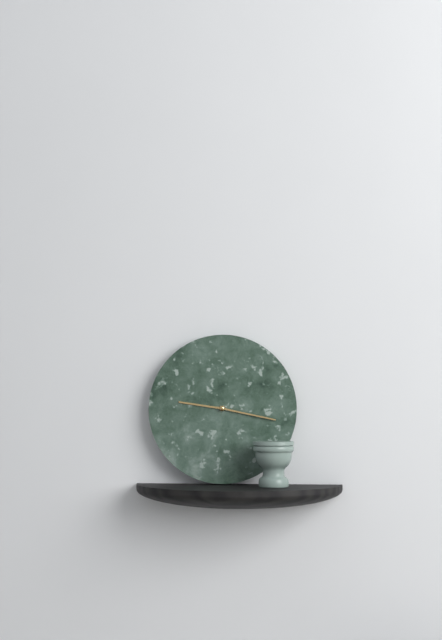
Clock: 9.17
